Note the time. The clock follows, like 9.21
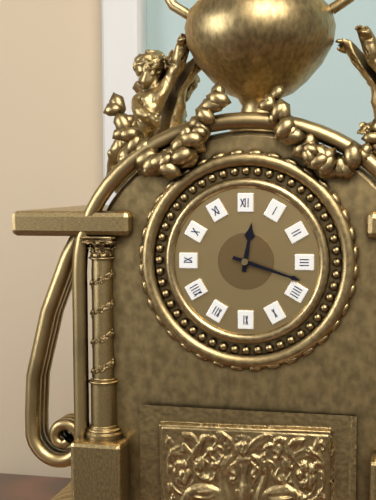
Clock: 12.18
